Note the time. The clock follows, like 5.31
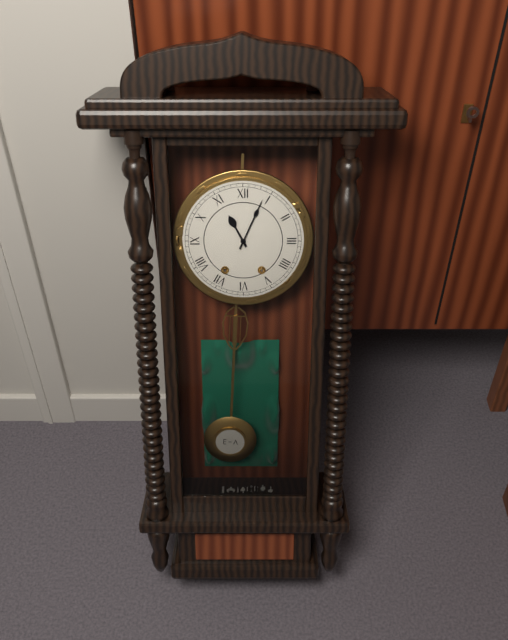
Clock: 11.04
